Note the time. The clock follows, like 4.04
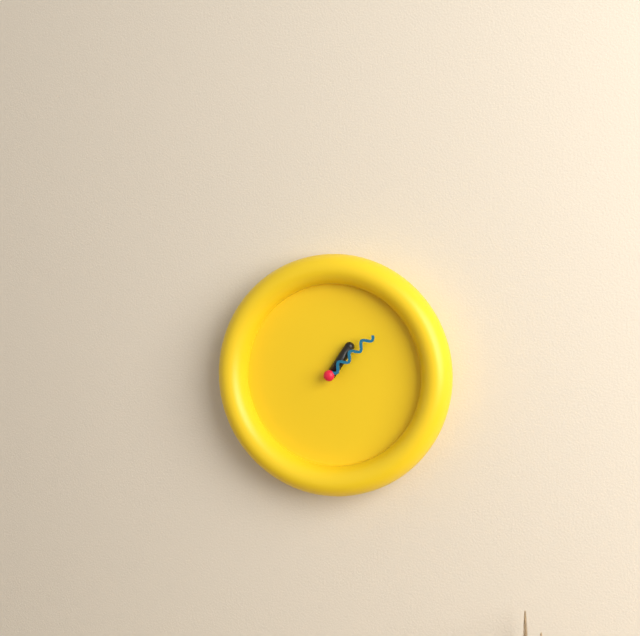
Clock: 1.08
